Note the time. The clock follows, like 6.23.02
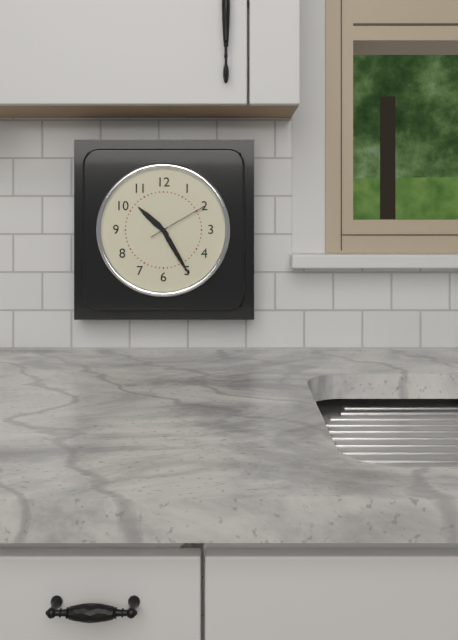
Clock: 10.25.10
